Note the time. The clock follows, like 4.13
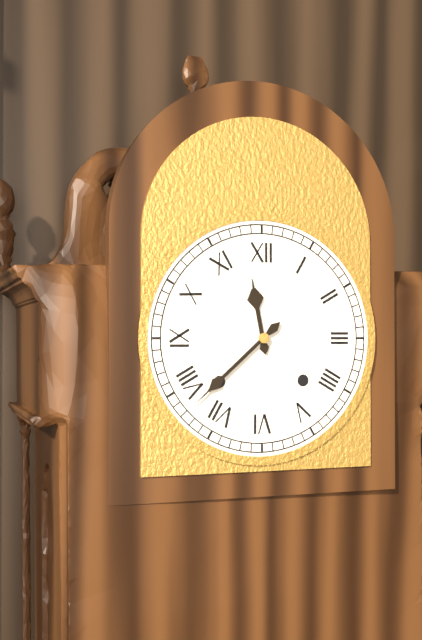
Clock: 11.38
